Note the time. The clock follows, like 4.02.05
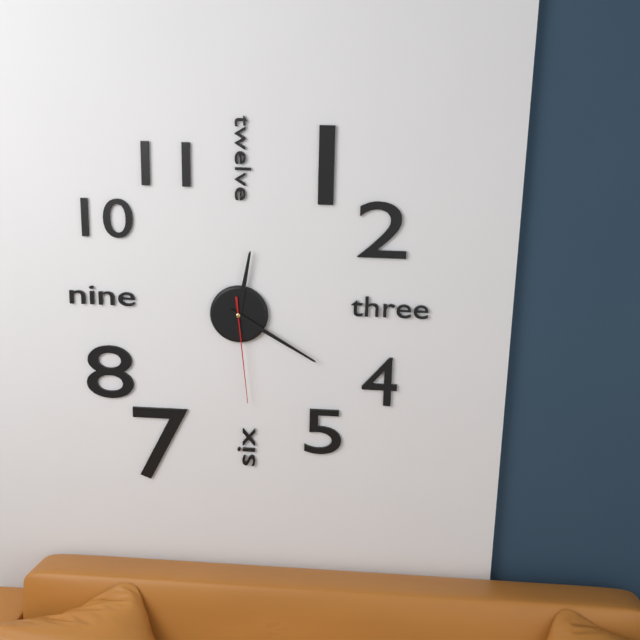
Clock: 12.20.29
